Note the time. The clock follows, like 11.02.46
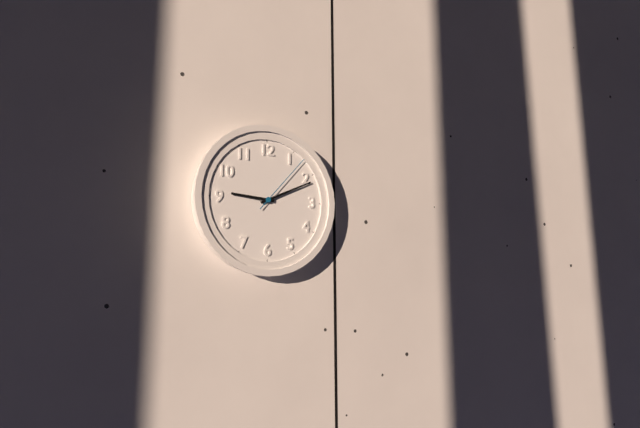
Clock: 9.11.07
